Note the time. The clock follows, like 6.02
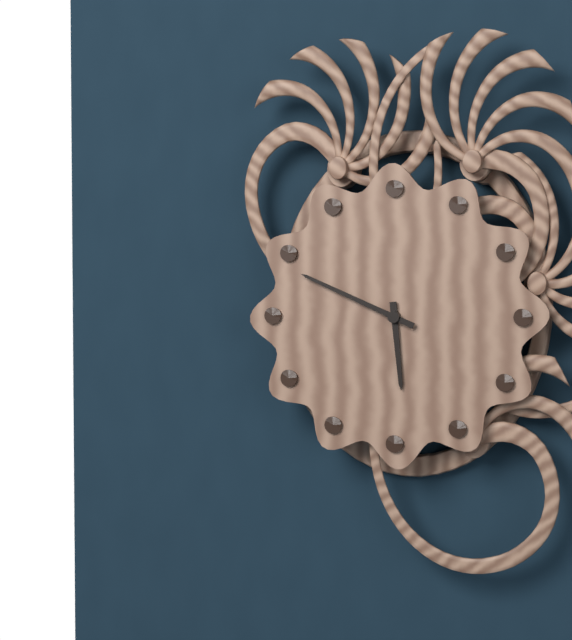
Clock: 5.49
